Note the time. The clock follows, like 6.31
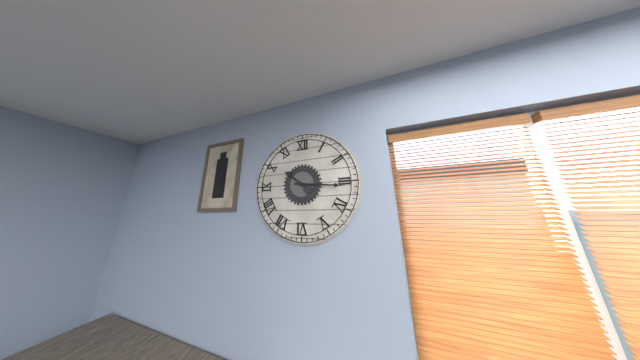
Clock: 10.16
